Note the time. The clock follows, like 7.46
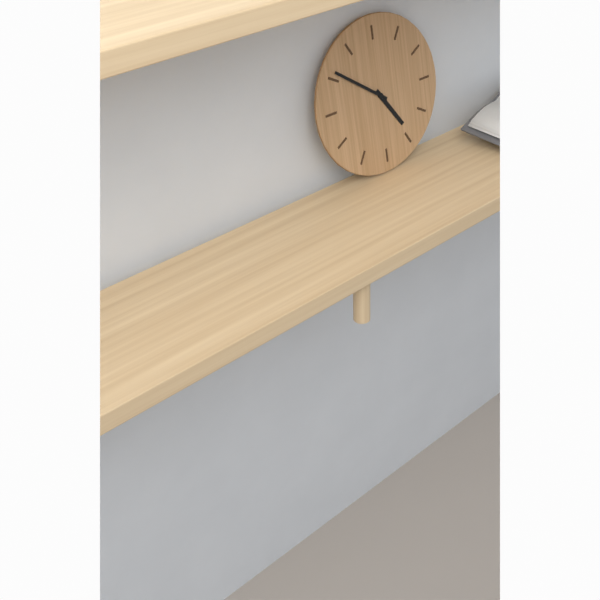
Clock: 4.51
